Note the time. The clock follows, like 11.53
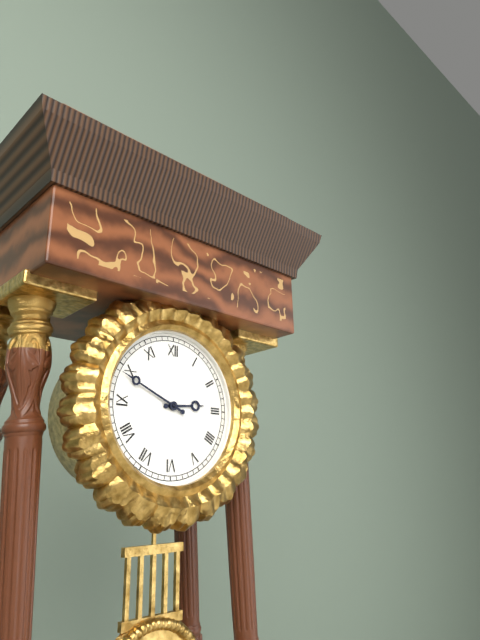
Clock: 2.49
